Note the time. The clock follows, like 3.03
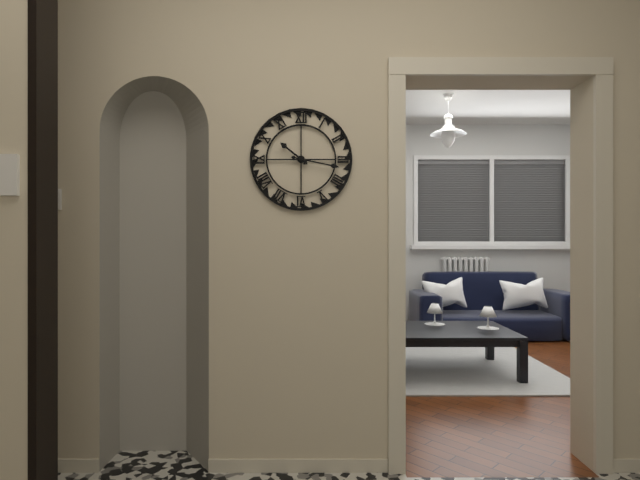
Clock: 10.17
